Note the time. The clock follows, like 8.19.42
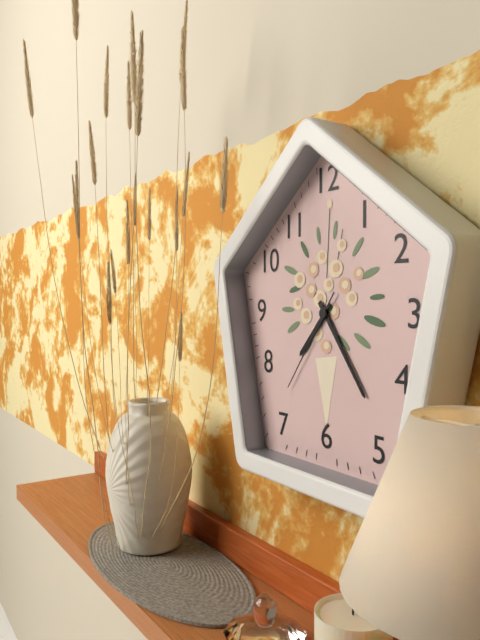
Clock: 7.24.36
